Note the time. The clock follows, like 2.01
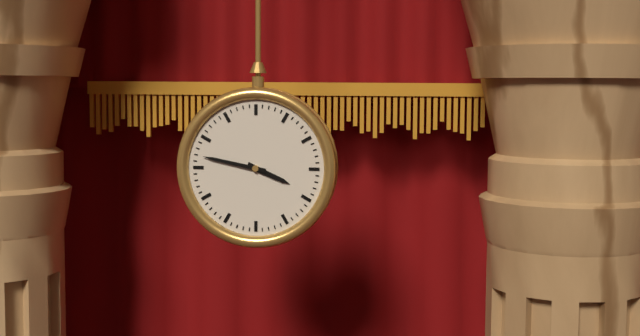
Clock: 3.47
